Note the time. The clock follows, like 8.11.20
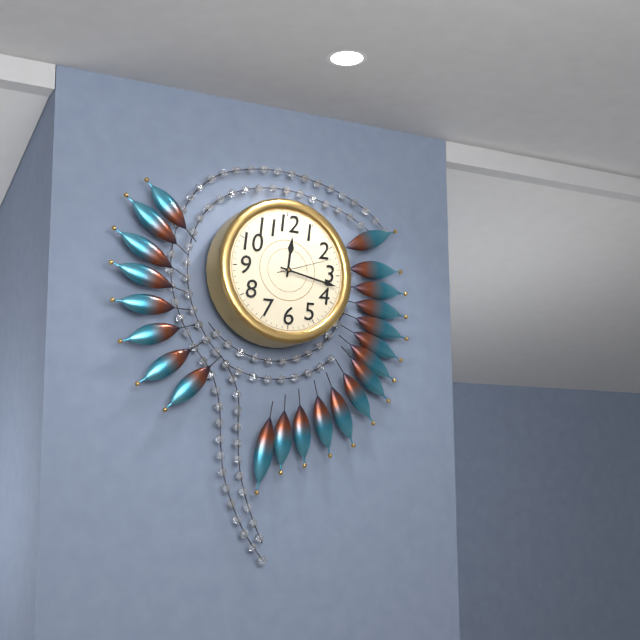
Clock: 12.17.12
